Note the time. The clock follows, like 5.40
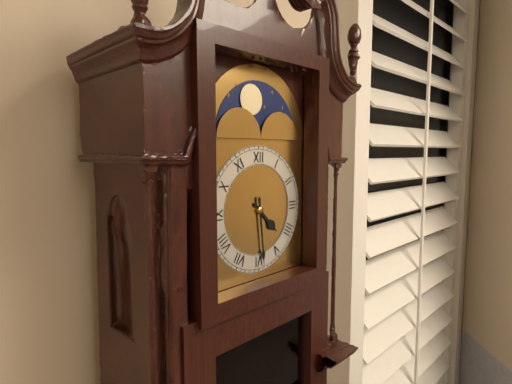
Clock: 4.29
